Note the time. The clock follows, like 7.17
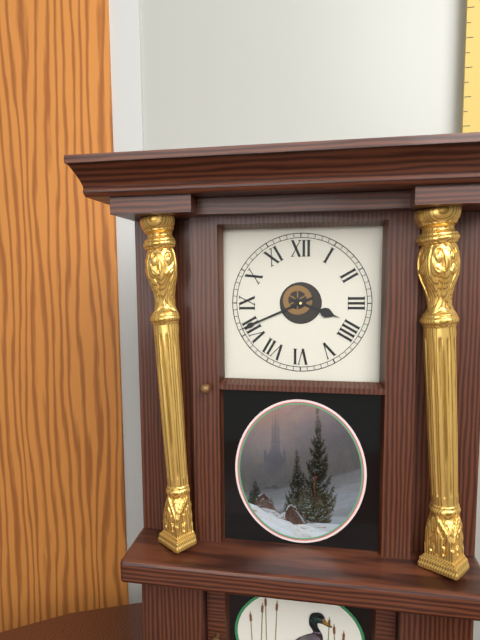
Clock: 3.41
